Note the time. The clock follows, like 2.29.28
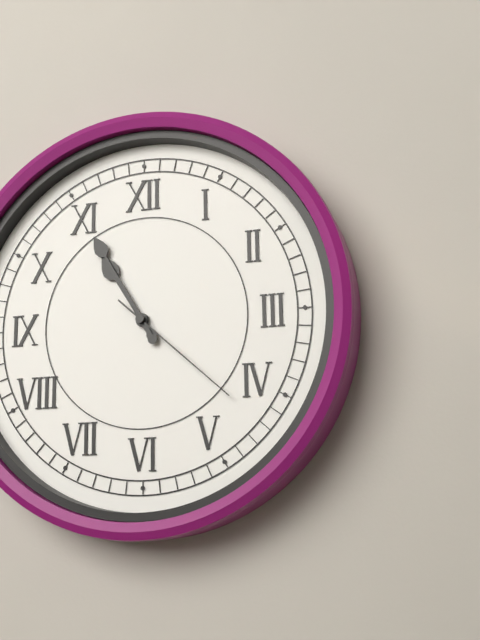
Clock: 10.55.22
